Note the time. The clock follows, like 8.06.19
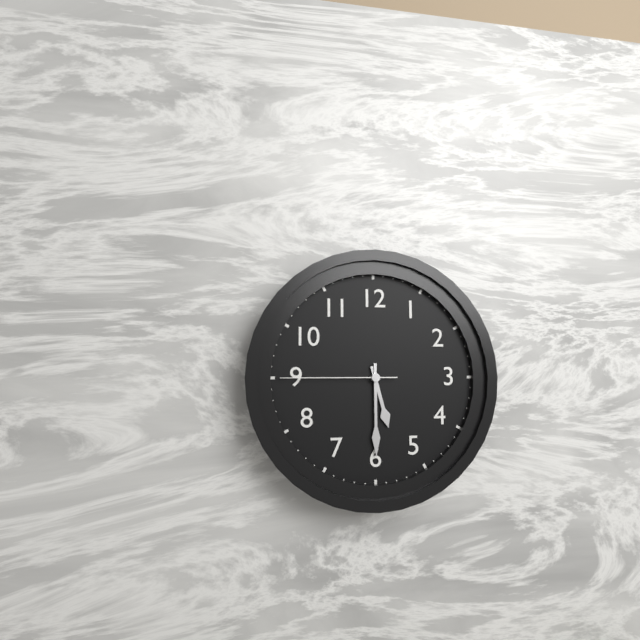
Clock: 5.30.45
